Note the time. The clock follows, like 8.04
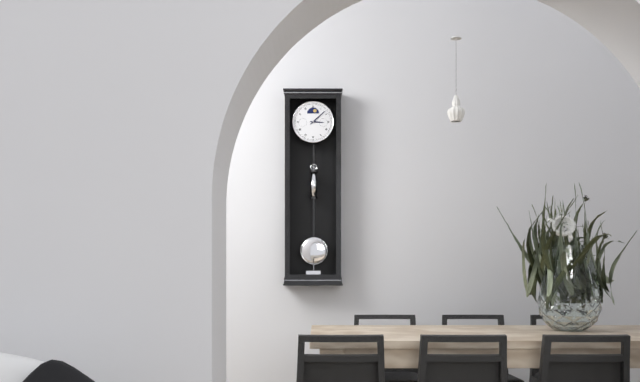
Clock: 3.08
